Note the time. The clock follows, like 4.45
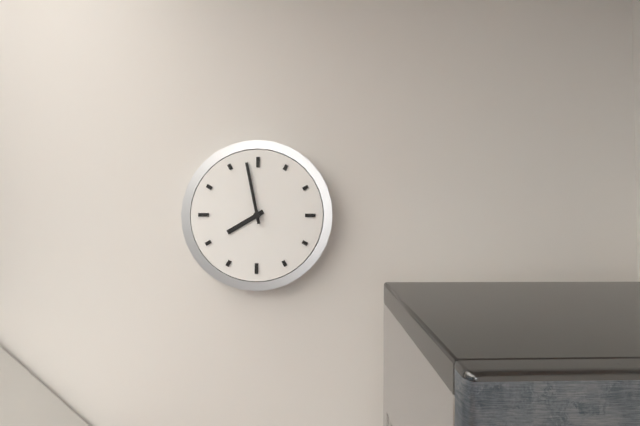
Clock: 7.58
